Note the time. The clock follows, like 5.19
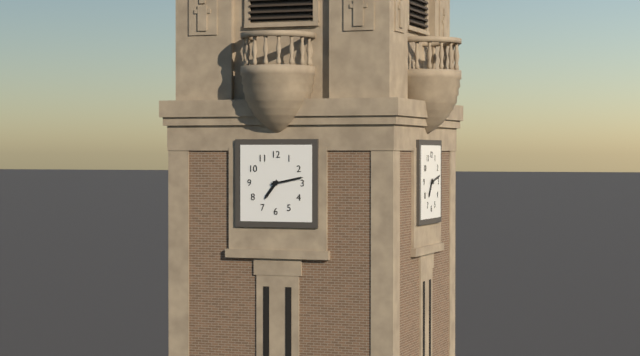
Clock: 7.13
